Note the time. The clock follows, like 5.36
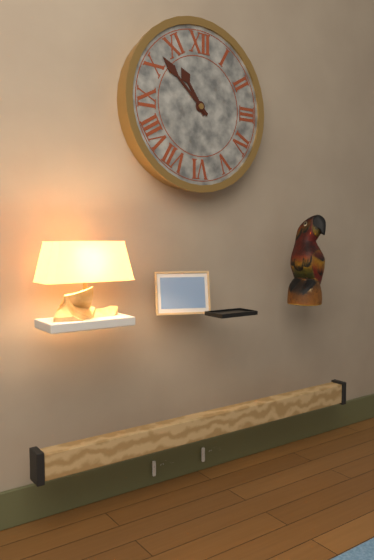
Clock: 10.52
